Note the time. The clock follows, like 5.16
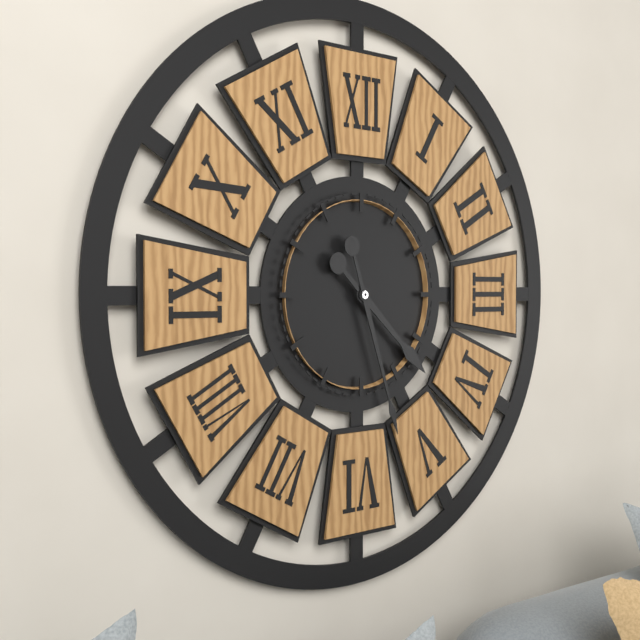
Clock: 4.27
